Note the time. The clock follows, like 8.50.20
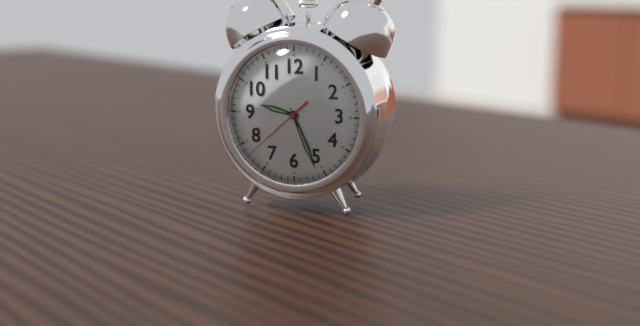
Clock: 9.26.38
